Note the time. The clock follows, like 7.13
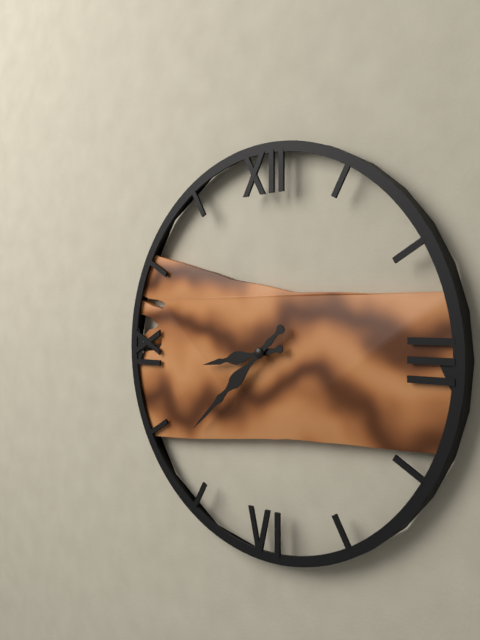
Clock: 8.38
